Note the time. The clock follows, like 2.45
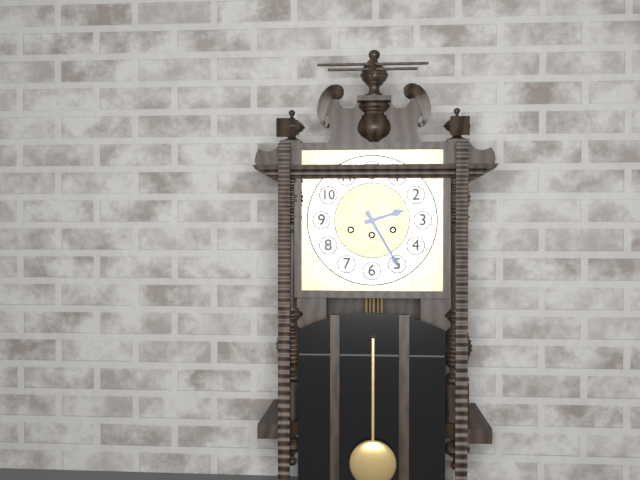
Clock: 2.25
